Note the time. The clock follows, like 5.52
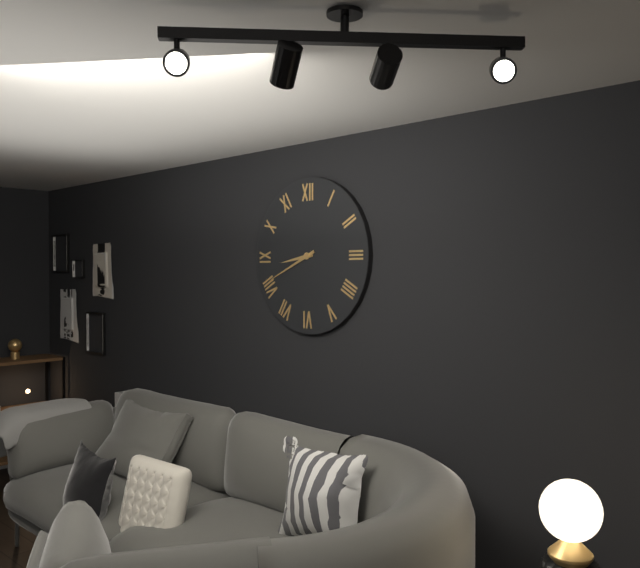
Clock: 8.41
